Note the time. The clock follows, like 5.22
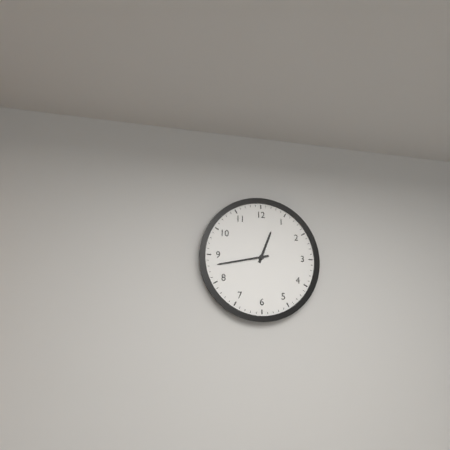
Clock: 12.43
